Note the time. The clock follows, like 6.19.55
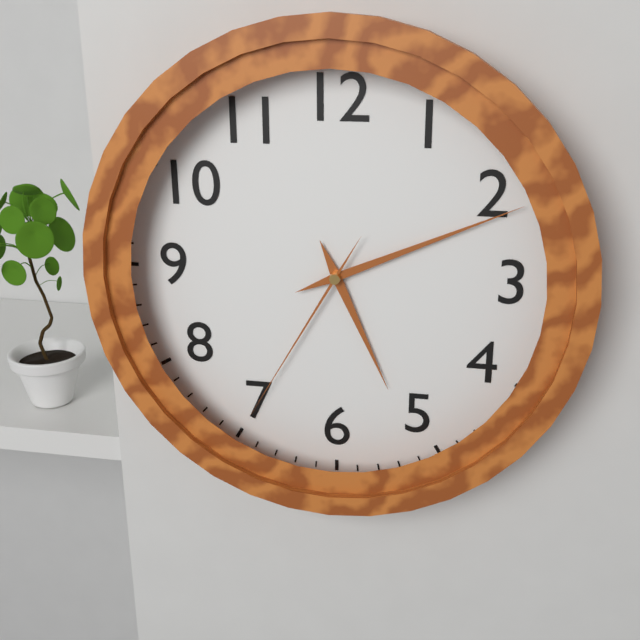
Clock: 5.11.35
